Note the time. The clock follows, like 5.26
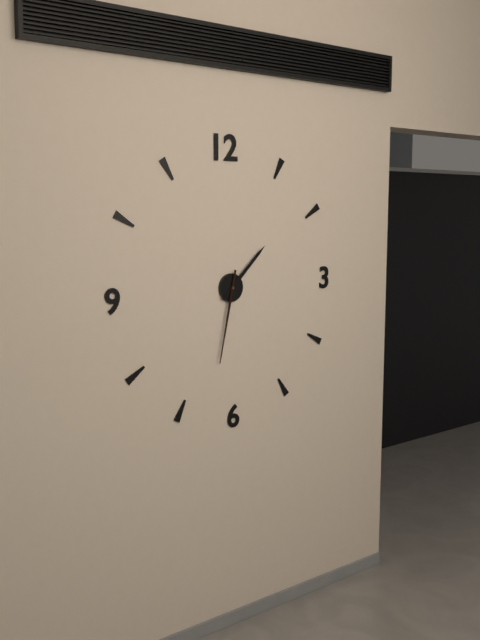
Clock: 1.32
